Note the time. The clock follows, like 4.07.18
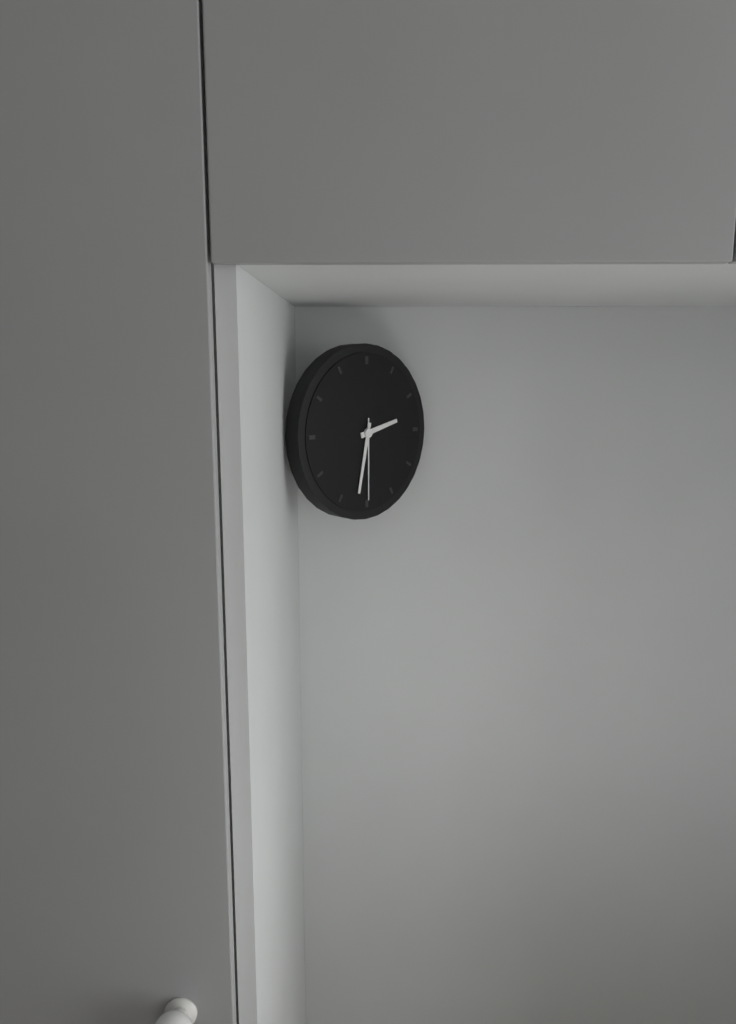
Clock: 2.32.30
